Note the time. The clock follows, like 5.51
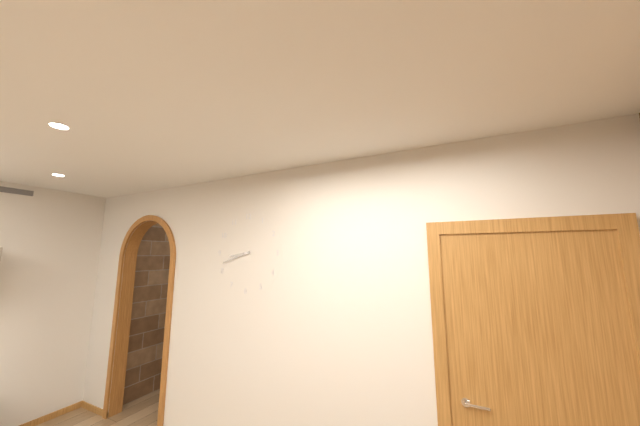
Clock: 8.42
